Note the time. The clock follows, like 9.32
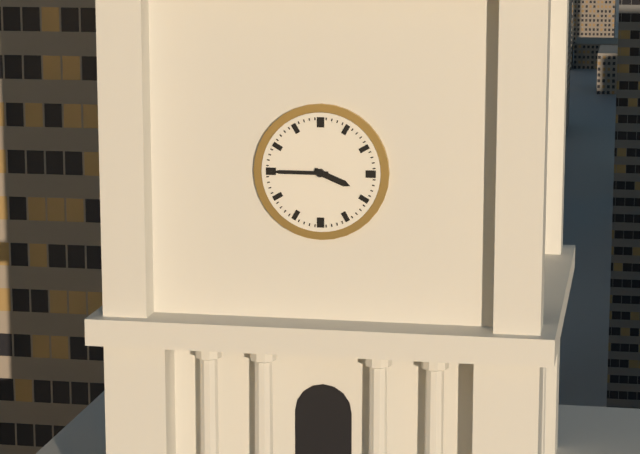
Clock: 3.45
